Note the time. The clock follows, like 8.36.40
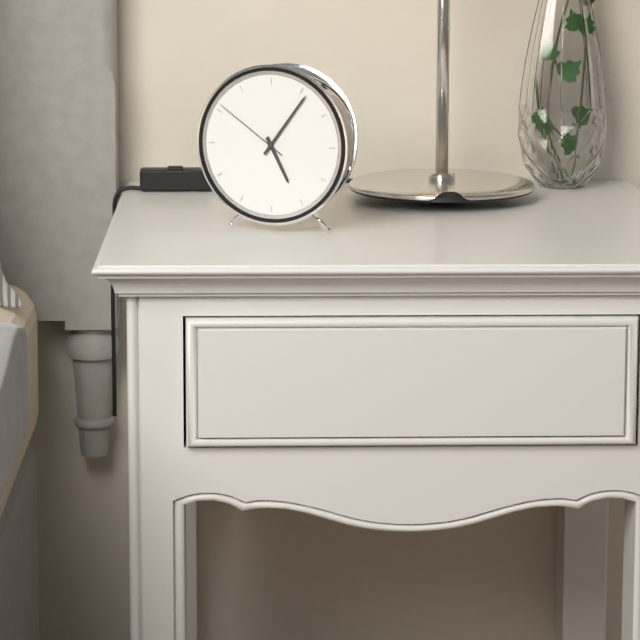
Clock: 5.06.51
